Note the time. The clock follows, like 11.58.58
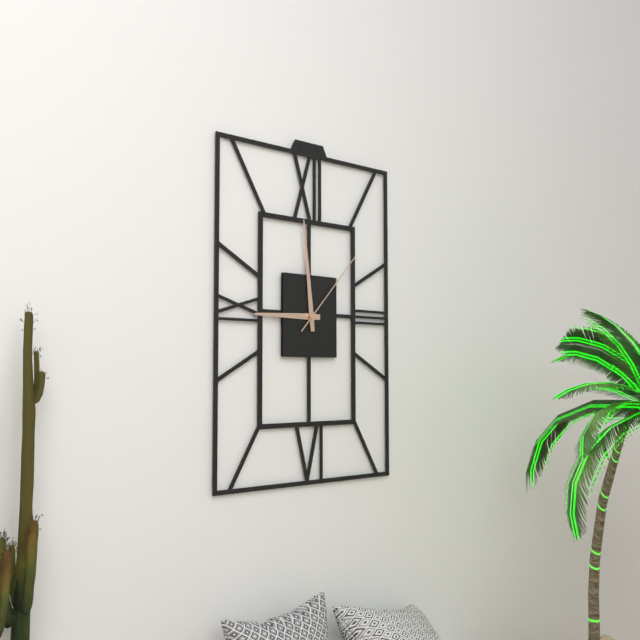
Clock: 8.59.07
